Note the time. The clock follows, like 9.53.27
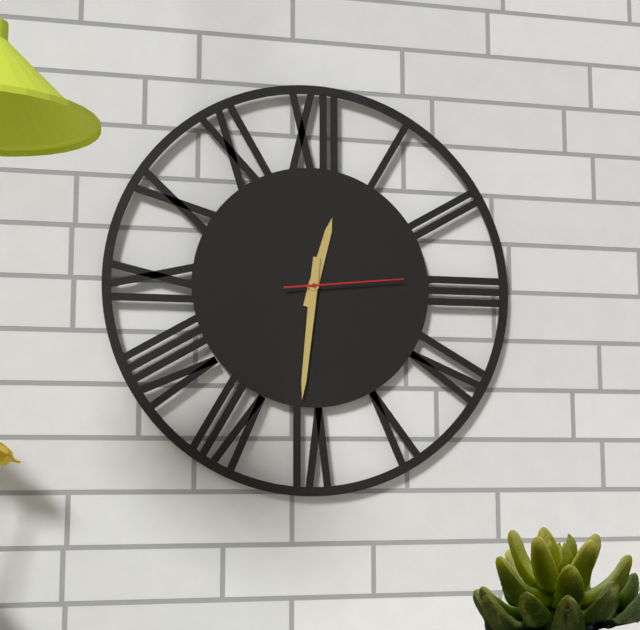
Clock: 12.31.14
